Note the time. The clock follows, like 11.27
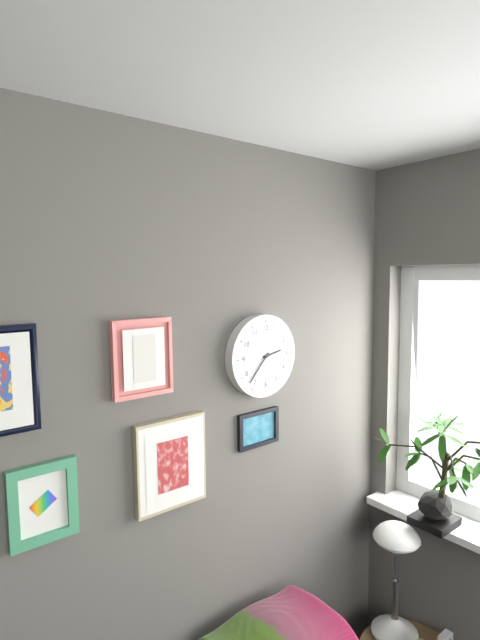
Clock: 2.37
